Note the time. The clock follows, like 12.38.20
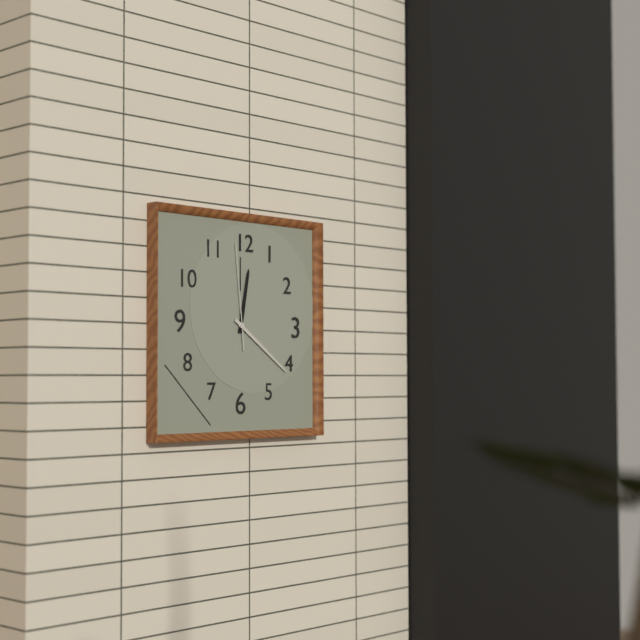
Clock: 12.21.59
